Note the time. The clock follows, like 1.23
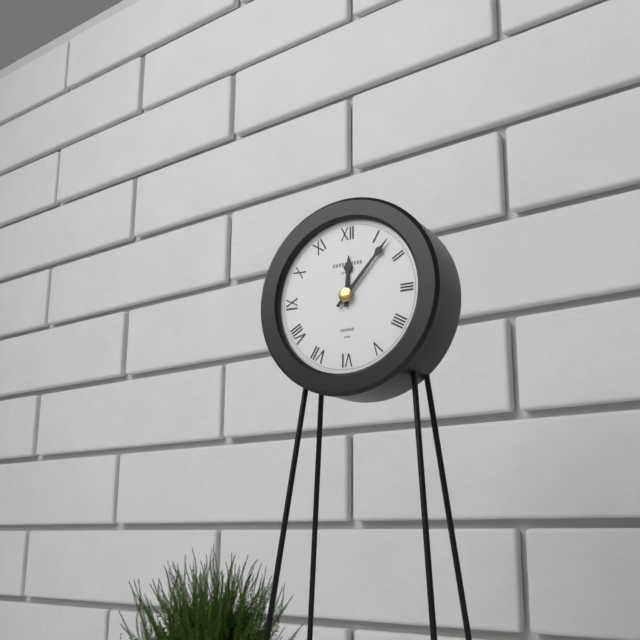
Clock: 12.07
